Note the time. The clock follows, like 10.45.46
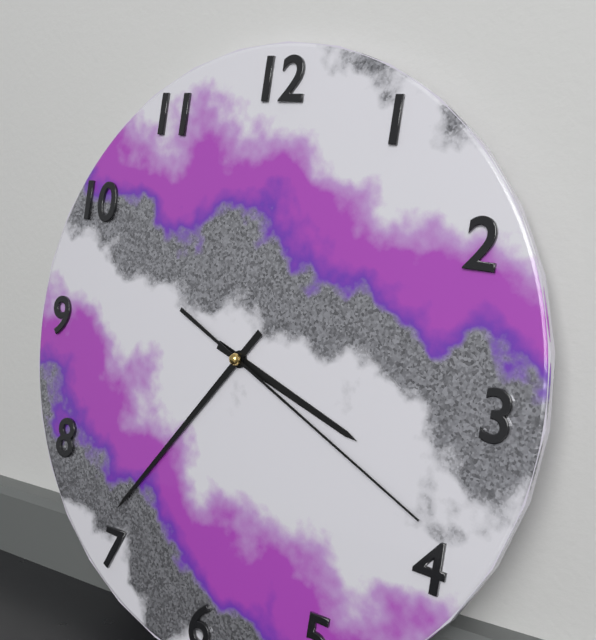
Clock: 3.36.19
